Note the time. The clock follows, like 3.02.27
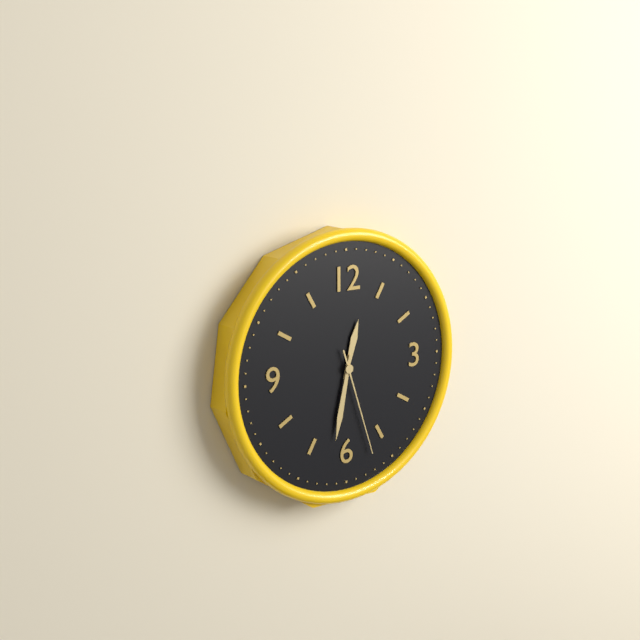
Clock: 12.32.27
